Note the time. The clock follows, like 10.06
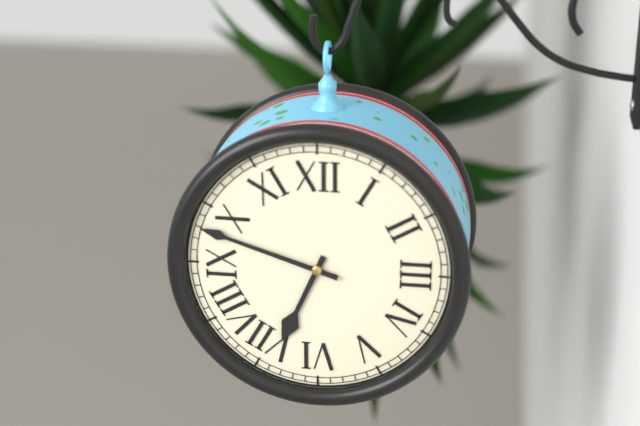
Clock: 6.48
